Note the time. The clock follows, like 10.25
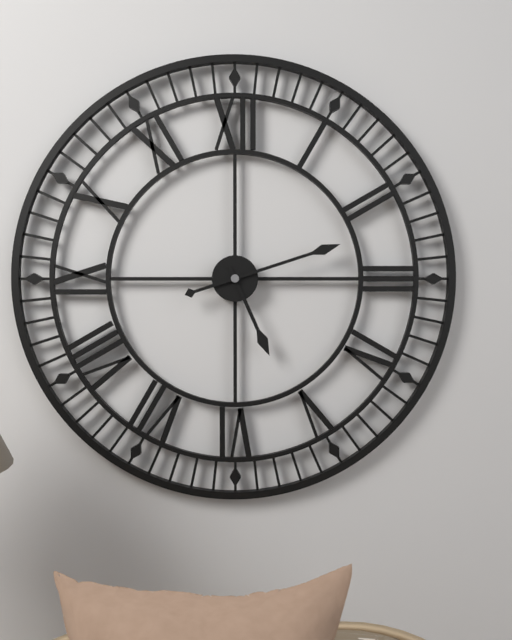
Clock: 5.12
